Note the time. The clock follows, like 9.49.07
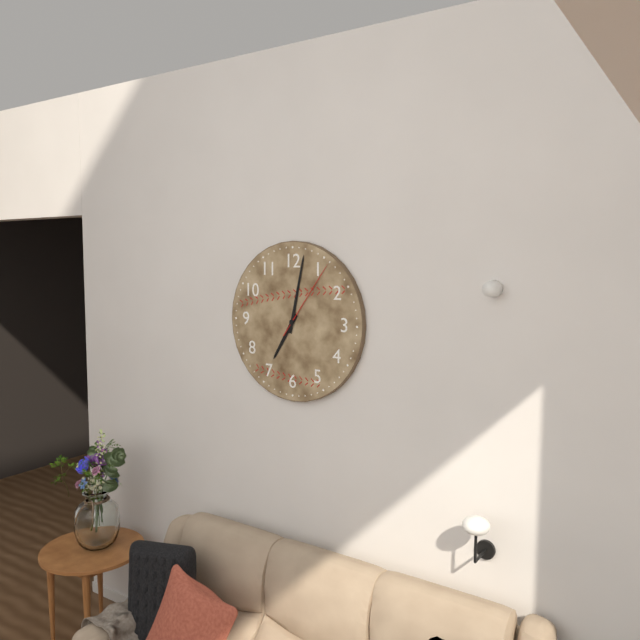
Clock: 7.02.06
